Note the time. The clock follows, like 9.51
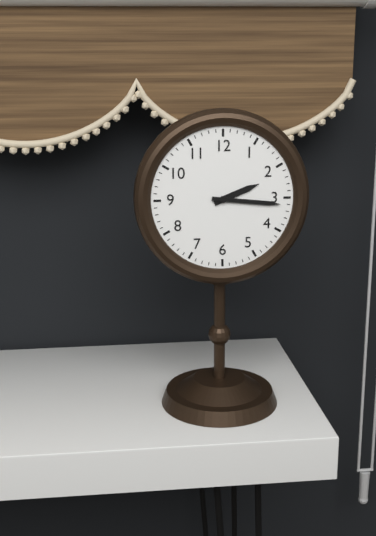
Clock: 2.16
